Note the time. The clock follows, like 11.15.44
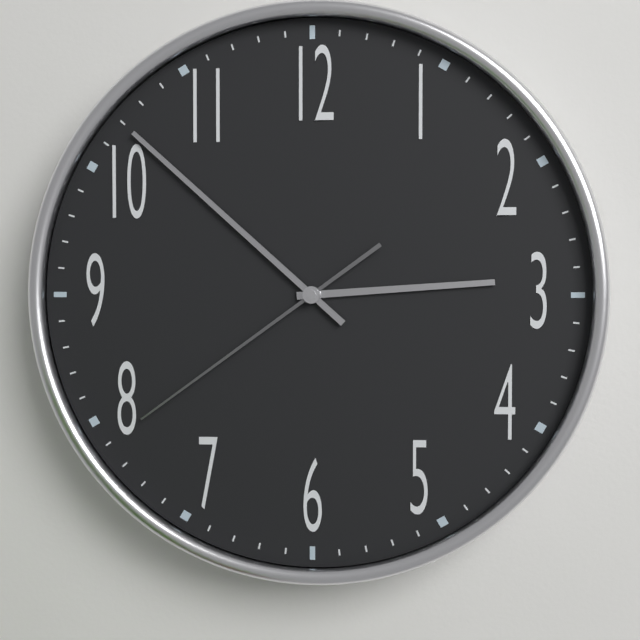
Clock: 2.52.39
